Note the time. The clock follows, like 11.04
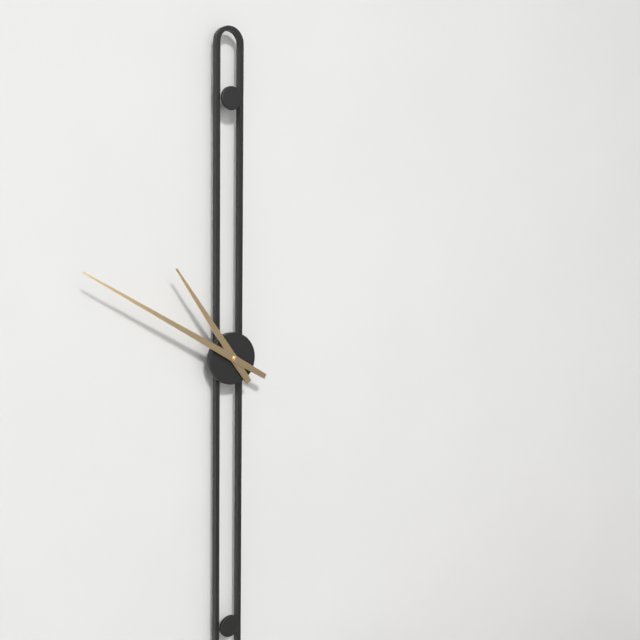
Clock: 10.50
